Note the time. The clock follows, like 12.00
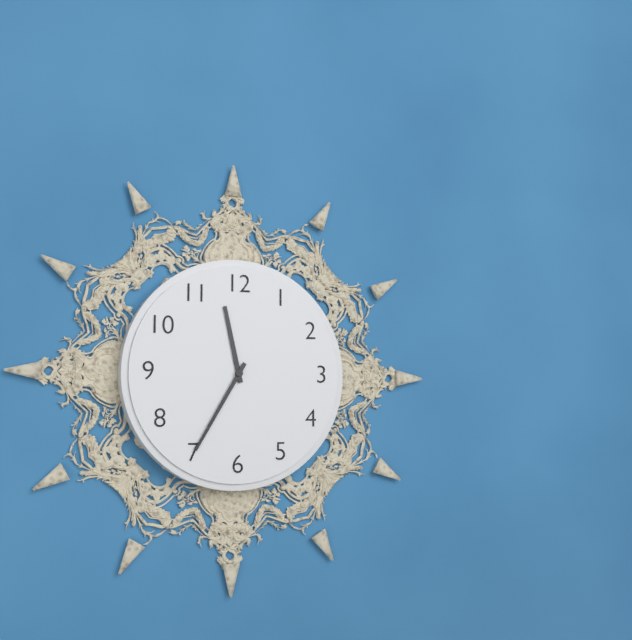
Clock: 11.35
